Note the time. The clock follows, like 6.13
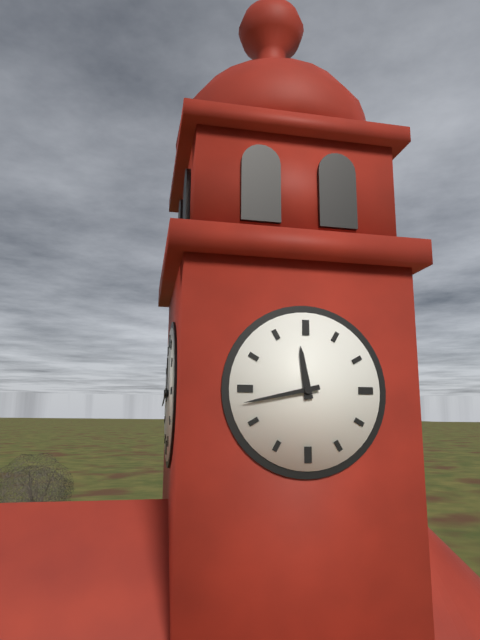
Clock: 11.43
